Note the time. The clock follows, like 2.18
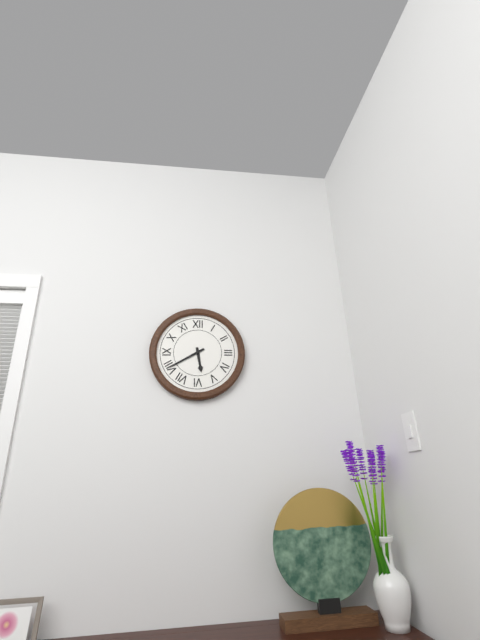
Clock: 5.40
